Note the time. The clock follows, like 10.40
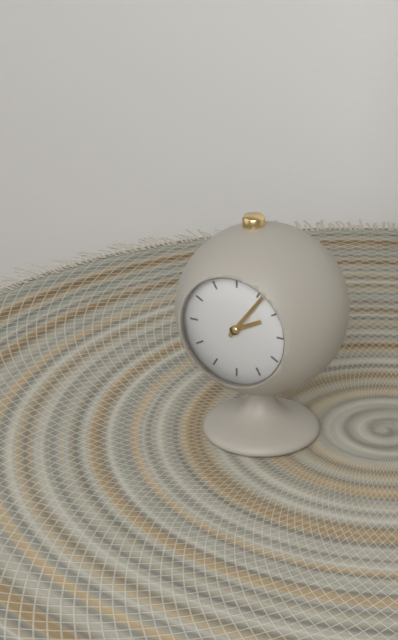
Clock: 2.06
